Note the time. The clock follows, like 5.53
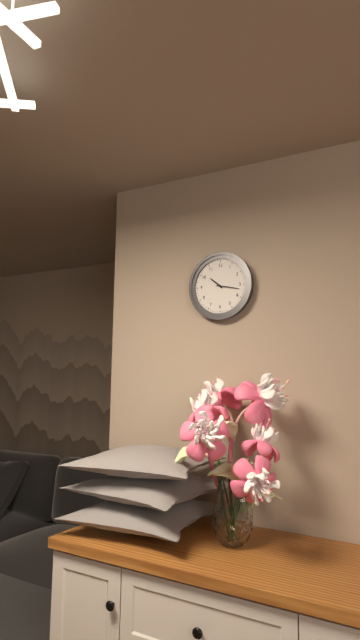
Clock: 10.17
